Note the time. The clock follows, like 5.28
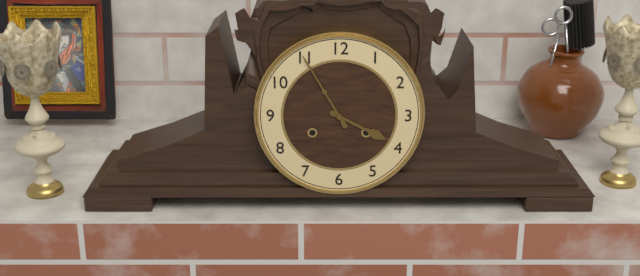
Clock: 3.55
